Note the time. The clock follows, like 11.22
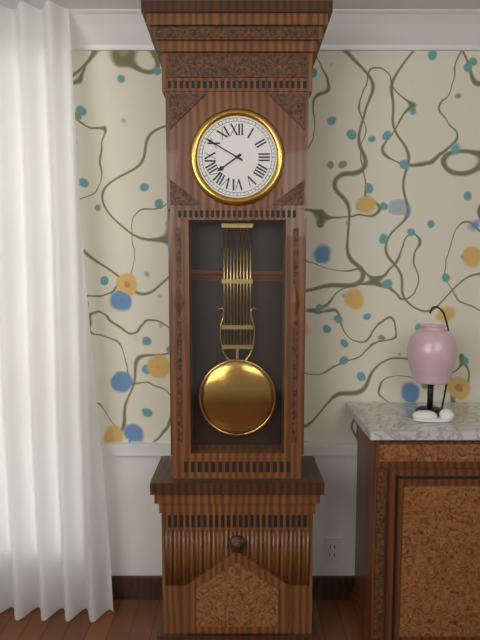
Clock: 7.50
